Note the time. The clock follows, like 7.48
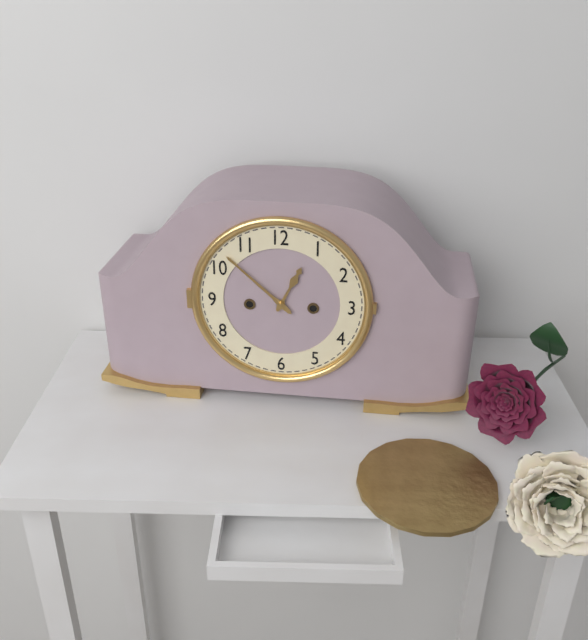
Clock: 12.52
